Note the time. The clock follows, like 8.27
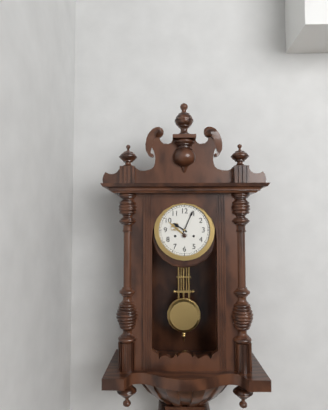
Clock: 10.04
